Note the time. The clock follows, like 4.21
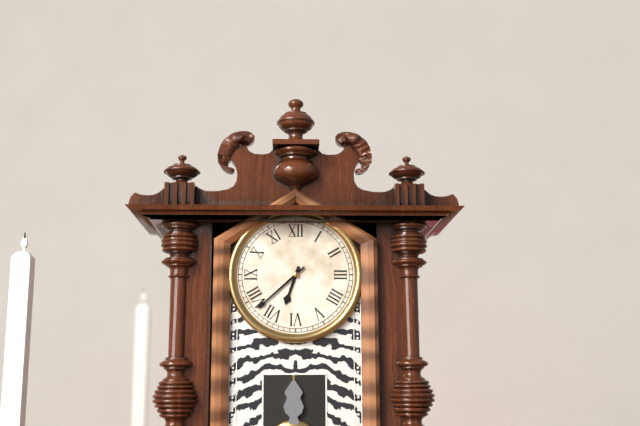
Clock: 6.38
